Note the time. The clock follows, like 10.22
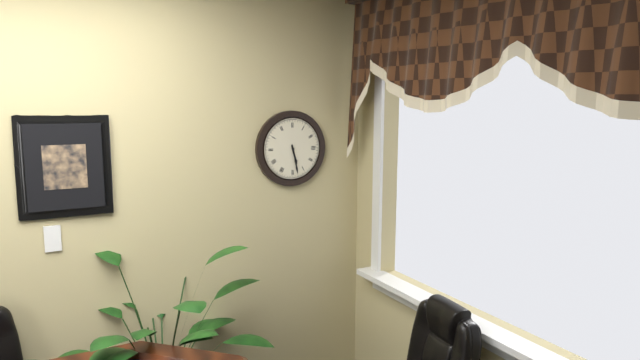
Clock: 5.28
